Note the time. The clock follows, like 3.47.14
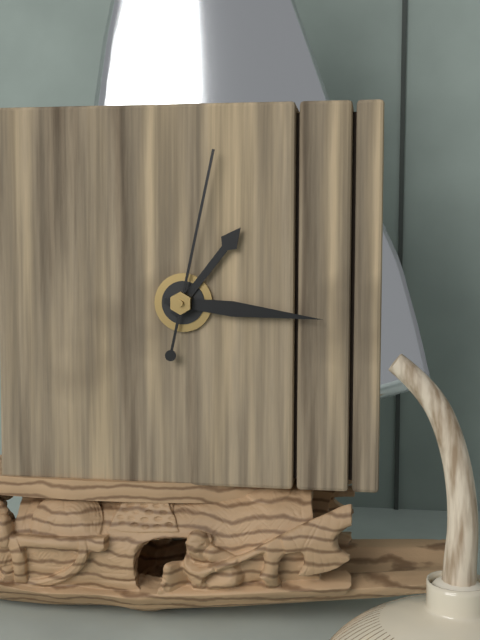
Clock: 1.16.02
